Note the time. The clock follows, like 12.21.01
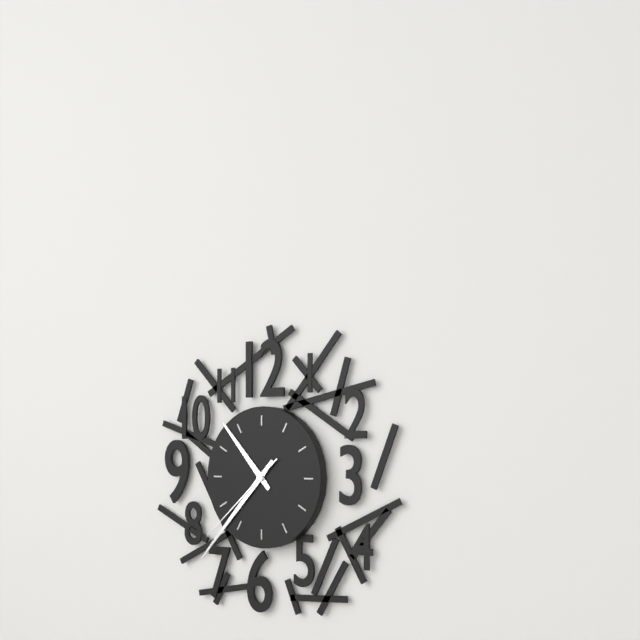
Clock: 10.37.38
